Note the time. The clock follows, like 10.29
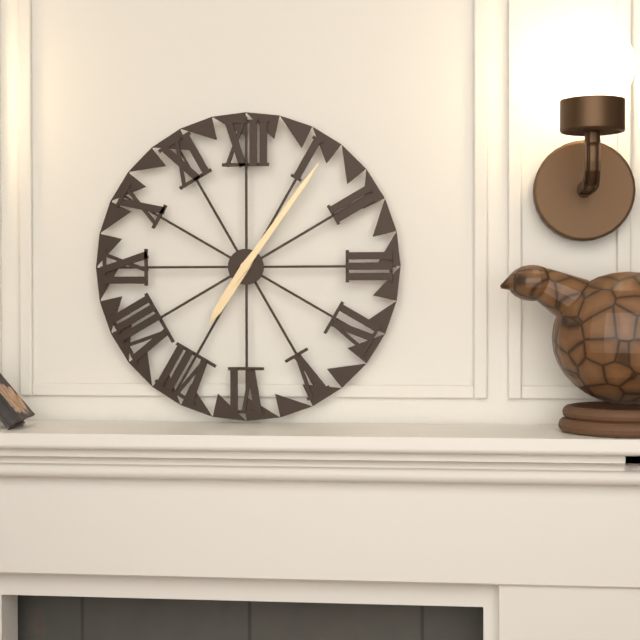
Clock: 7.06
